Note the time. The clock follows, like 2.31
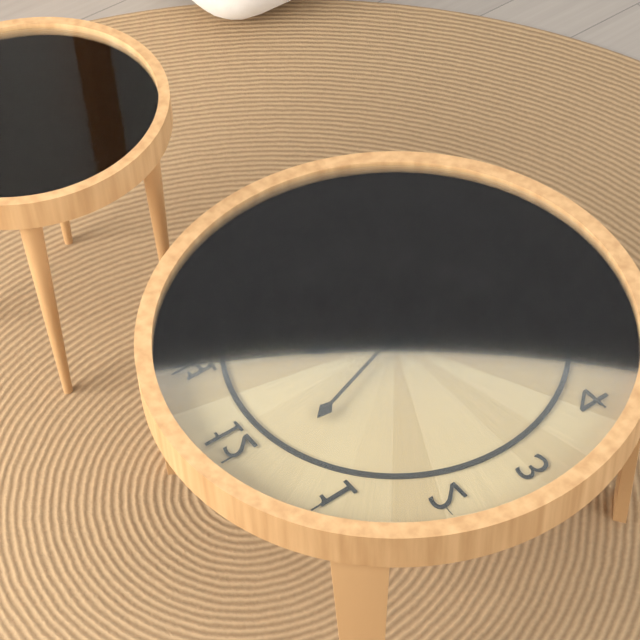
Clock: 12.57
